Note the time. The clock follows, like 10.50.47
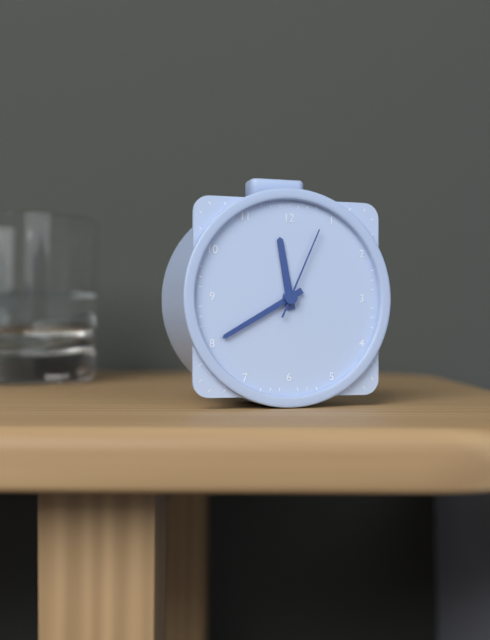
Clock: 11.40.04
